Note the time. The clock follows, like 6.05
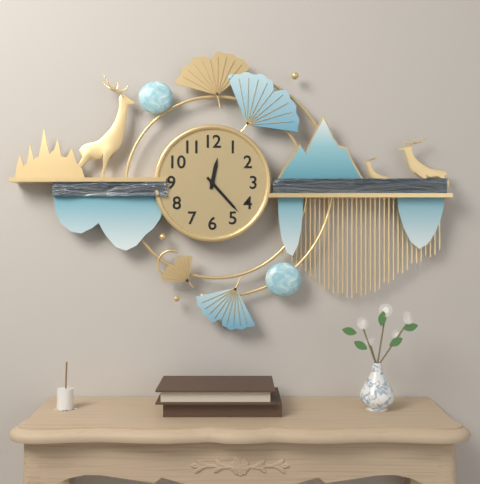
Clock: 12.23
